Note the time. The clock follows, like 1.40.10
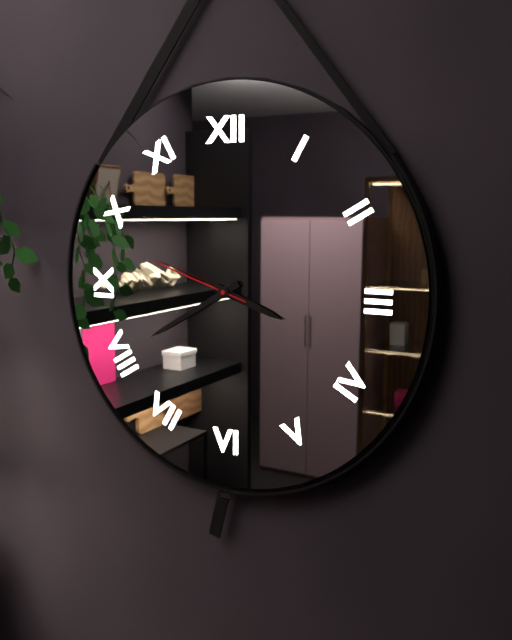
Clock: 3.40.48
